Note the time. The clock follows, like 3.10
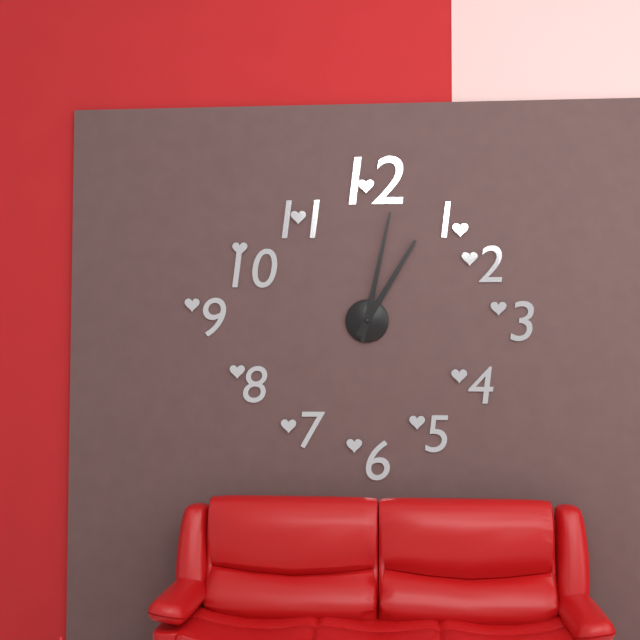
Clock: 1.02
